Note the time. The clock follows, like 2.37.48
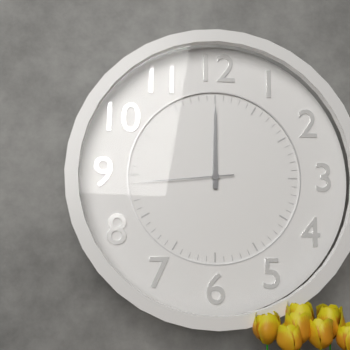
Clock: 12.00.44
